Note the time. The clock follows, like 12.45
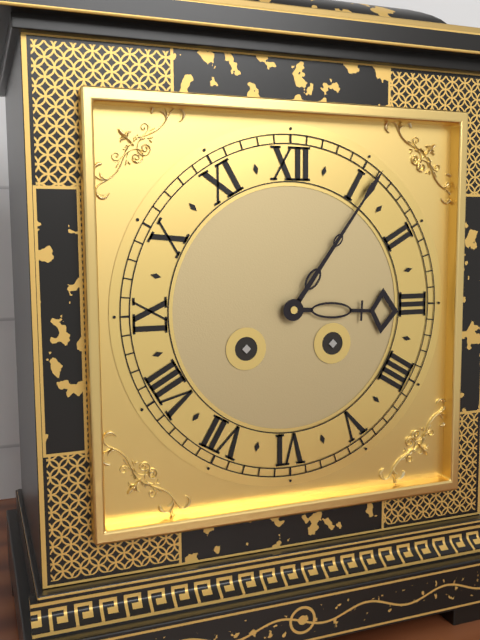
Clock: 3.06
